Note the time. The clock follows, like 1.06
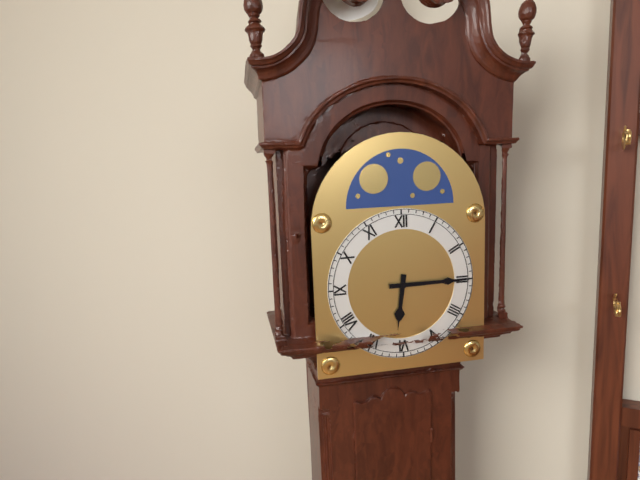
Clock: 6.15
